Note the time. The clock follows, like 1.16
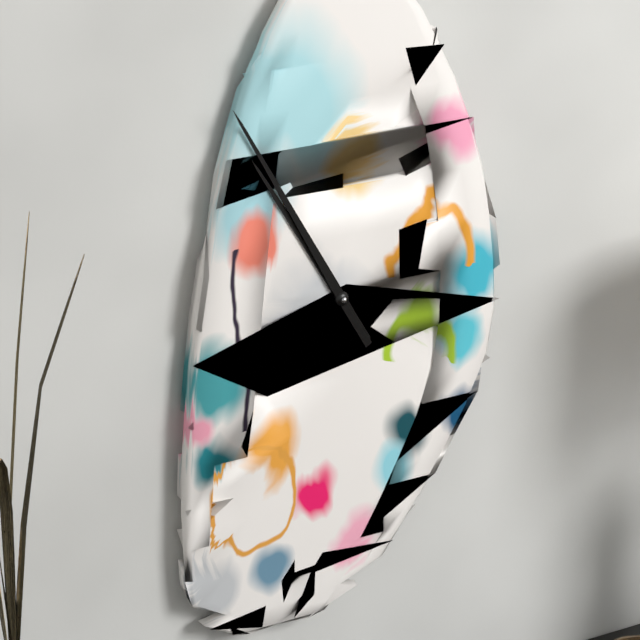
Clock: 10.55
